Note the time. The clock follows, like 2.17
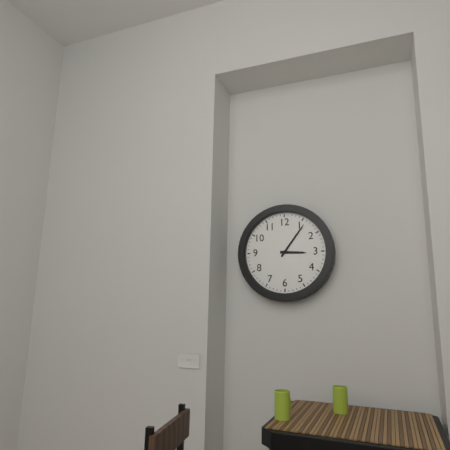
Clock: 3.06
